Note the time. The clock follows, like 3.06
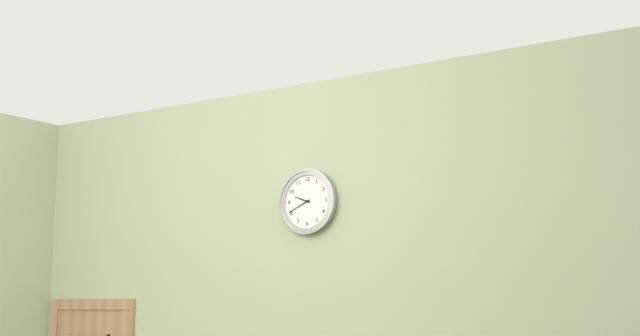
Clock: 9.41
